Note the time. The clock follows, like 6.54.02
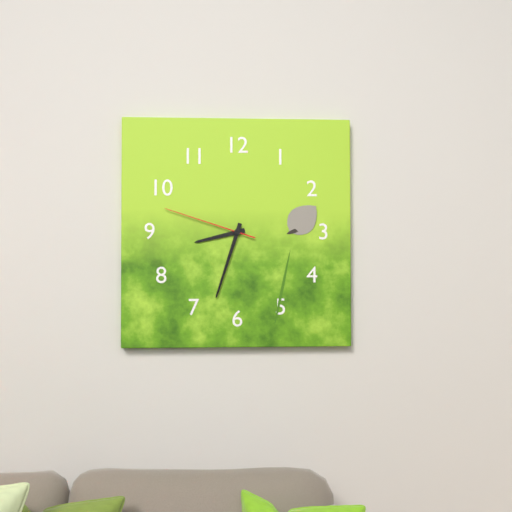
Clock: 8.33.48
